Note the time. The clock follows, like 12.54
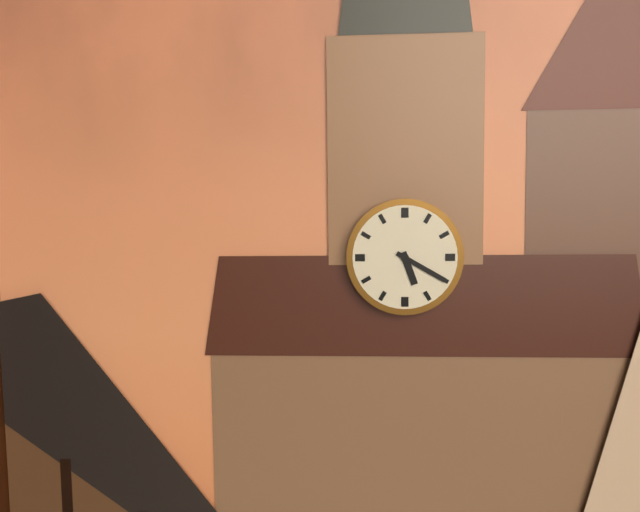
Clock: 5.20
